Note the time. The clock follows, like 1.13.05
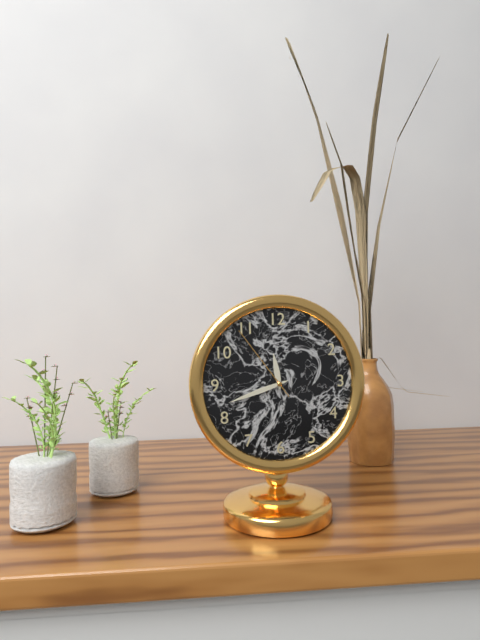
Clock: 11.42.54
